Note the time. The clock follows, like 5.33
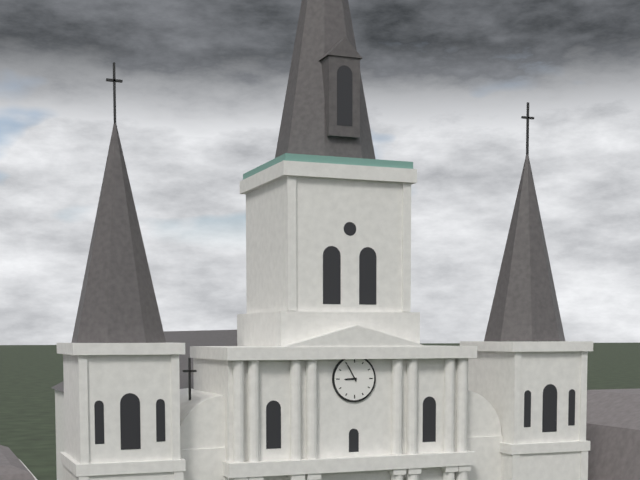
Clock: 8.55
